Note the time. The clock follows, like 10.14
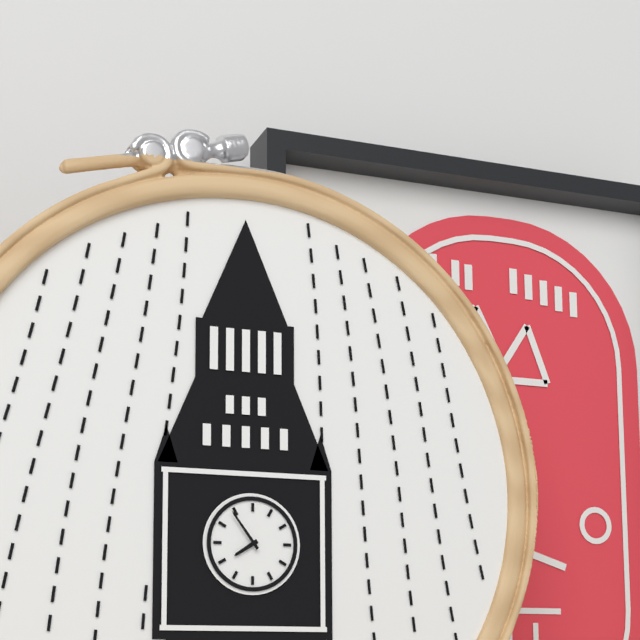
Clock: 7.54
